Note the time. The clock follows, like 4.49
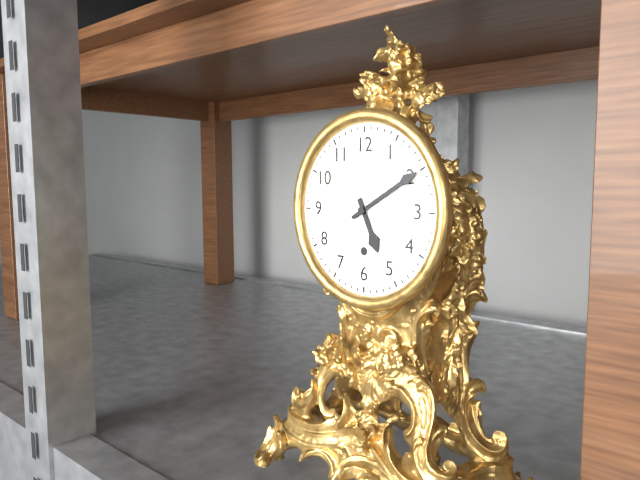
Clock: 5.10
